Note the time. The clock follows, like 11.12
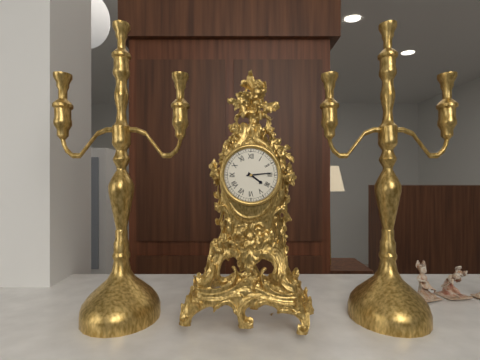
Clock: 4.14
